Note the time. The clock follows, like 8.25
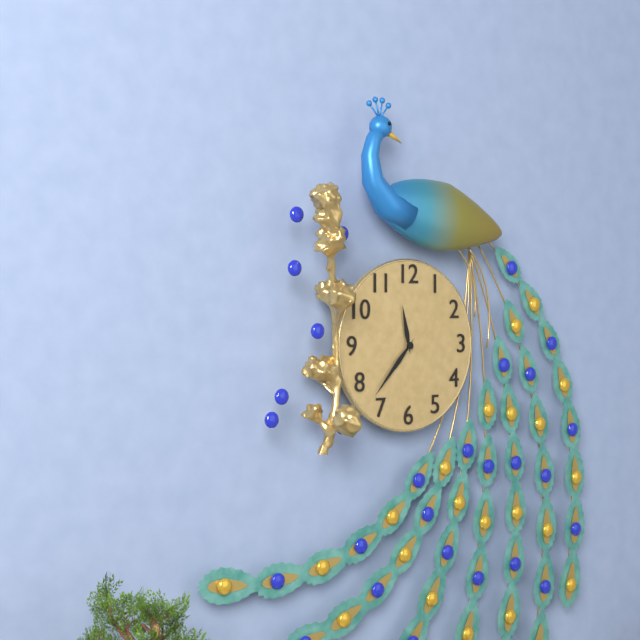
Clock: 11.37
